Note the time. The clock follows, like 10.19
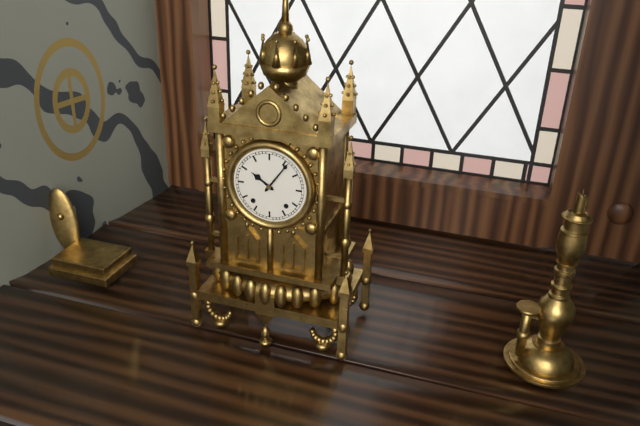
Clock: 10.06
